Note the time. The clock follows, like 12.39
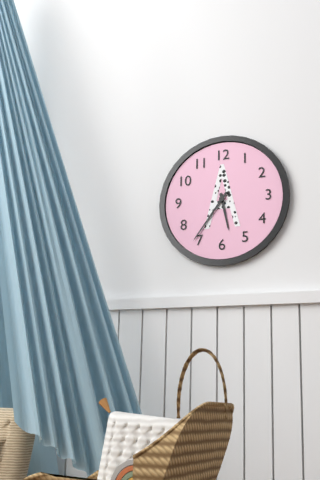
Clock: 5.36
